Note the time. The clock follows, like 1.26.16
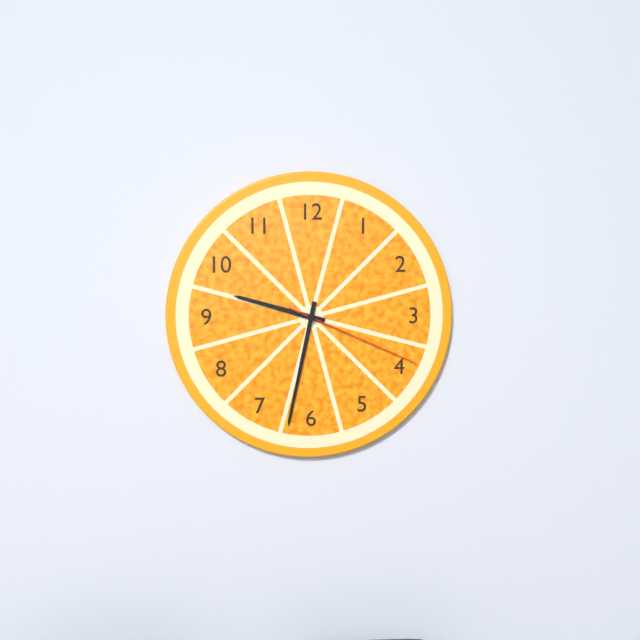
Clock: 9.32.19
